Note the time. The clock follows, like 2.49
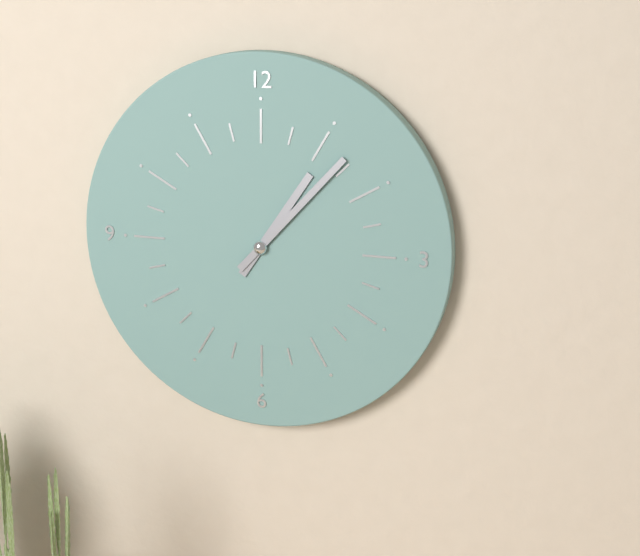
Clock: 1.07
